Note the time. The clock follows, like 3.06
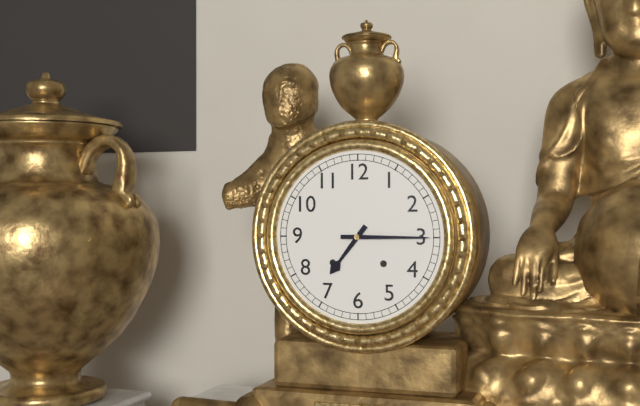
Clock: 7.15
